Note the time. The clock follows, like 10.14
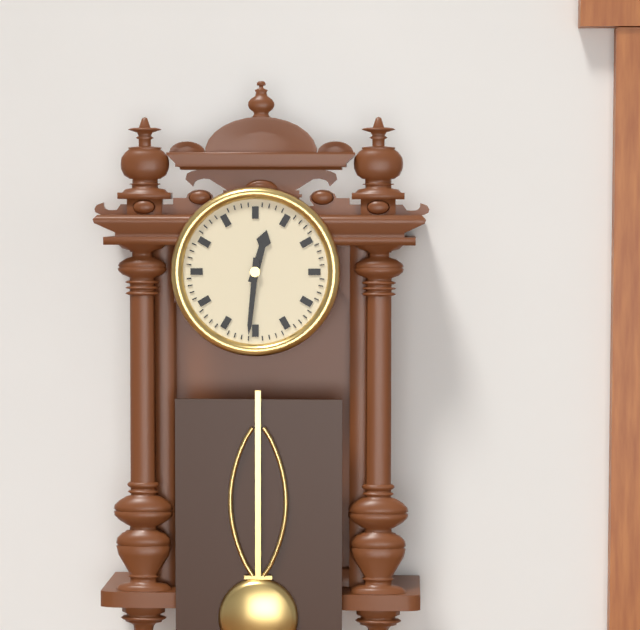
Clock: 12.31
